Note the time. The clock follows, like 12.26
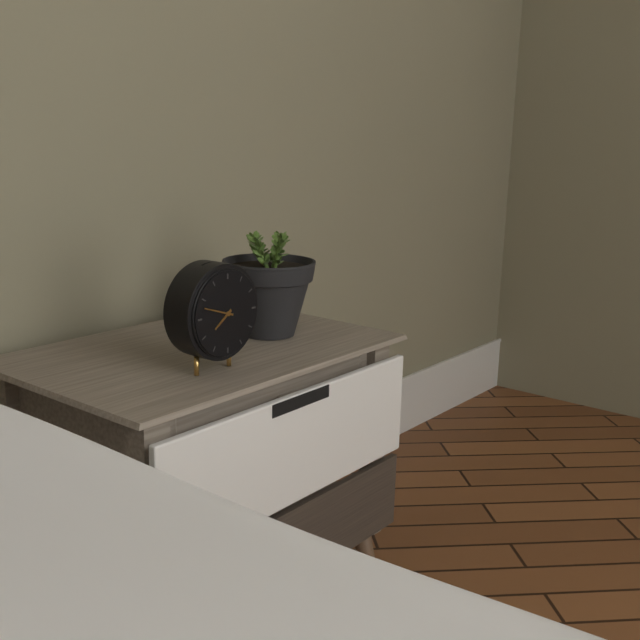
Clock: 7.48
